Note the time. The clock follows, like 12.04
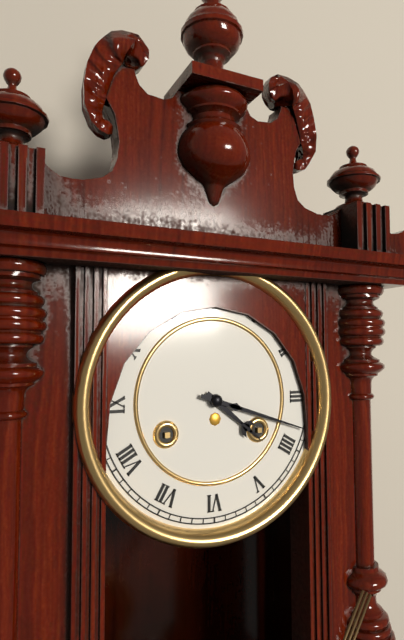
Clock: 4.18
